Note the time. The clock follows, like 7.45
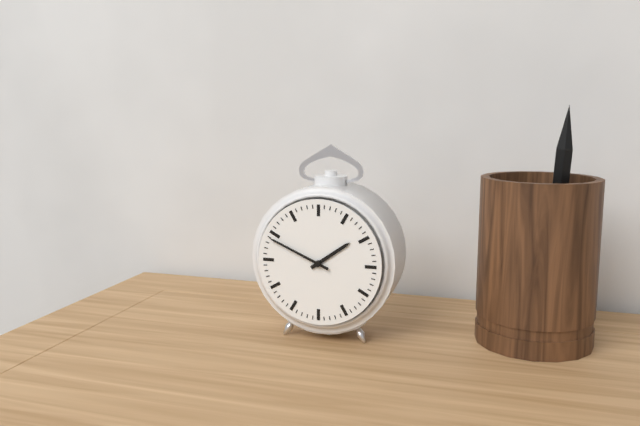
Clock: 1.49
